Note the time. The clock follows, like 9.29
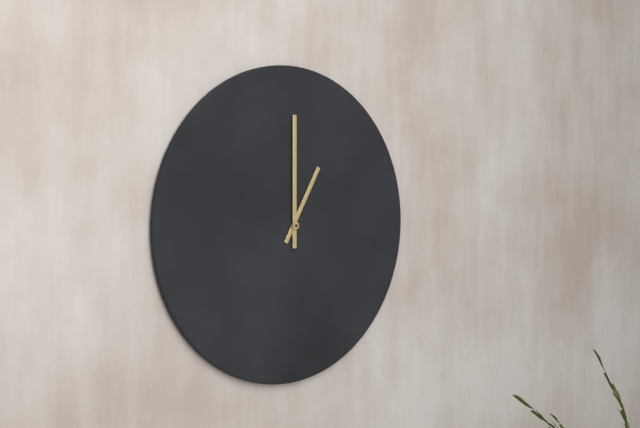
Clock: 1.00
